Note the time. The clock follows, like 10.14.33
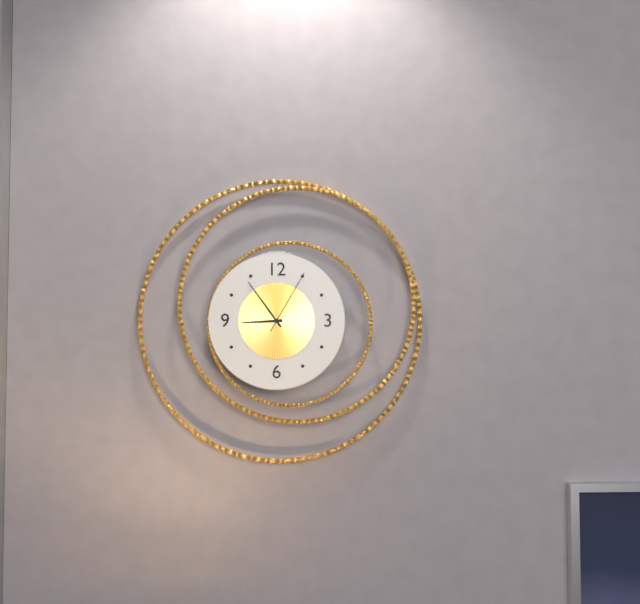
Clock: 8.54.05
